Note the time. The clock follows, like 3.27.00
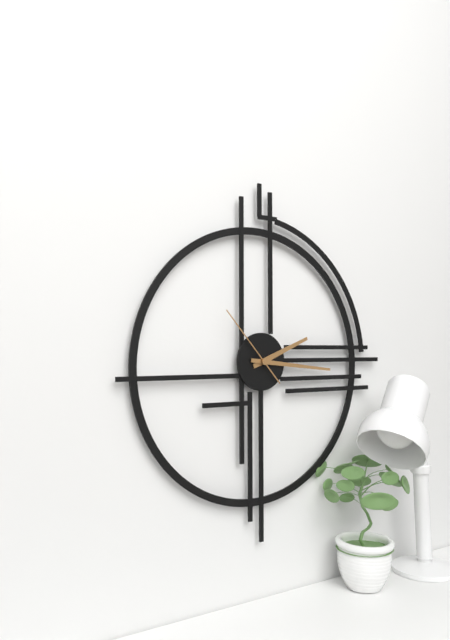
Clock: 2.16.53
